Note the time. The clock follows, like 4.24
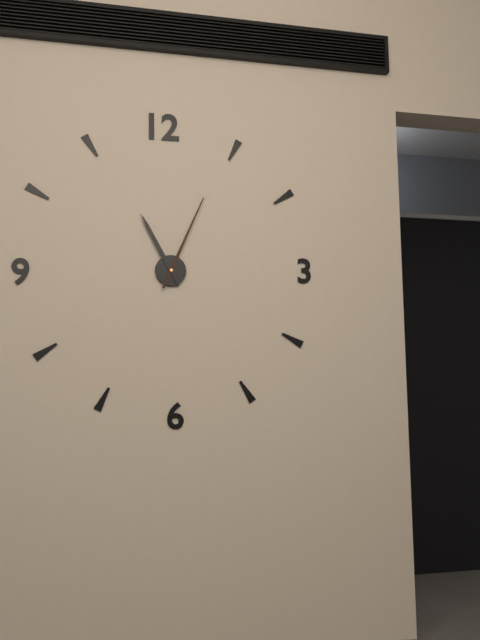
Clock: 11.04
